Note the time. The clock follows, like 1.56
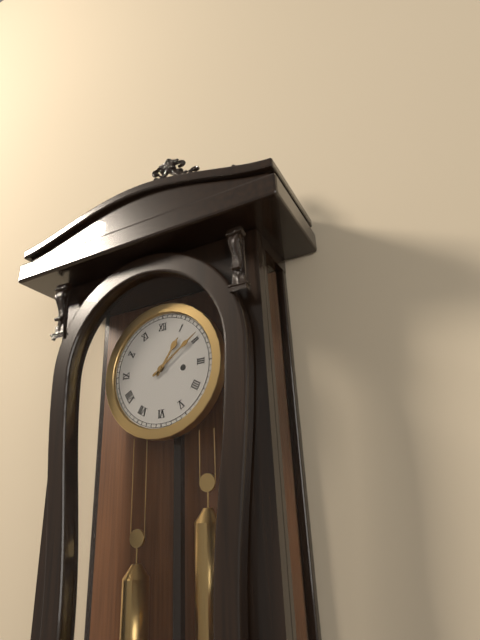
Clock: 1.09
